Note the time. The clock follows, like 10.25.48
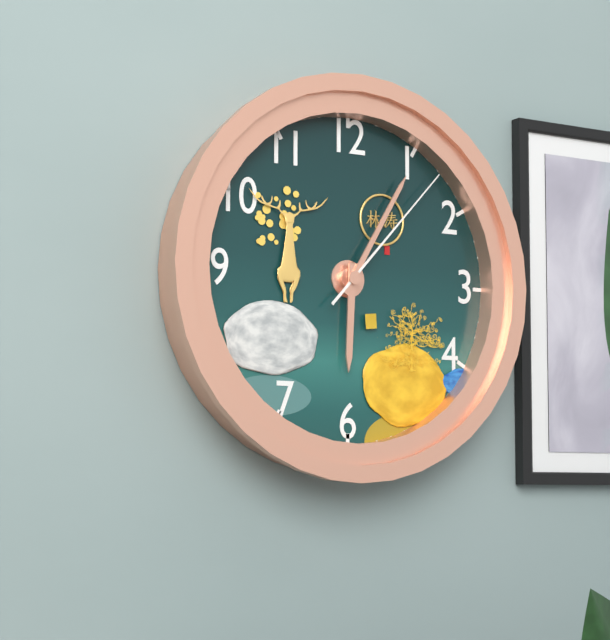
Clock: 6.05.07
